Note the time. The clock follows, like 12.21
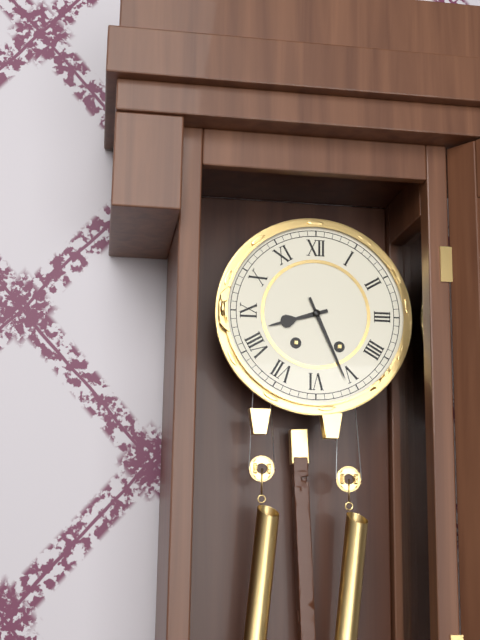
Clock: 8.26
